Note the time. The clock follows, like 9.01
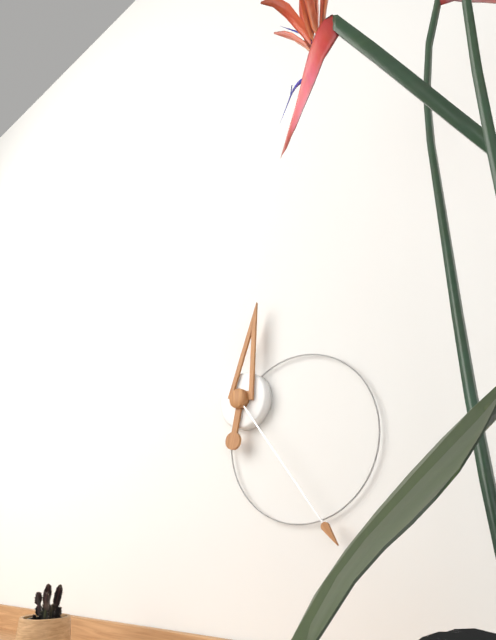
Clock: 12.24
